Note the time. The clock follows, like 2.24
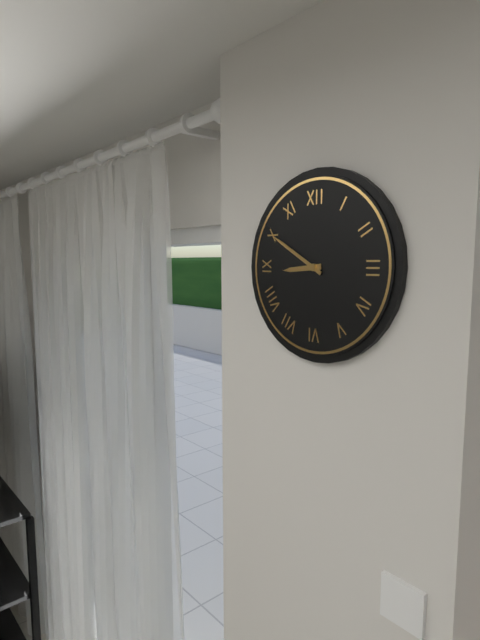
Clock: 8.50
